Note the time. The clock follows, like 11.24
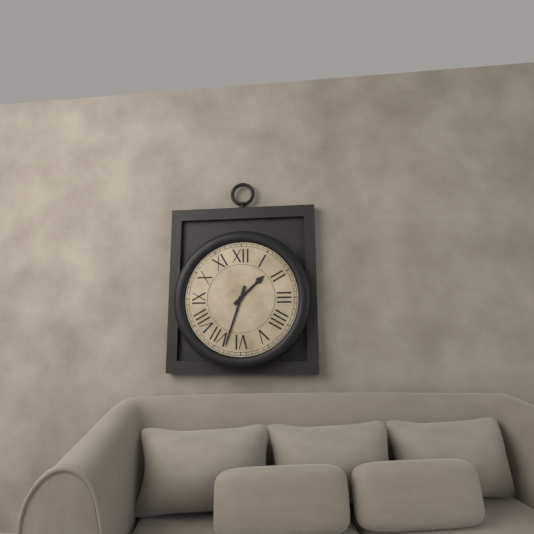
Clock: 1.33
